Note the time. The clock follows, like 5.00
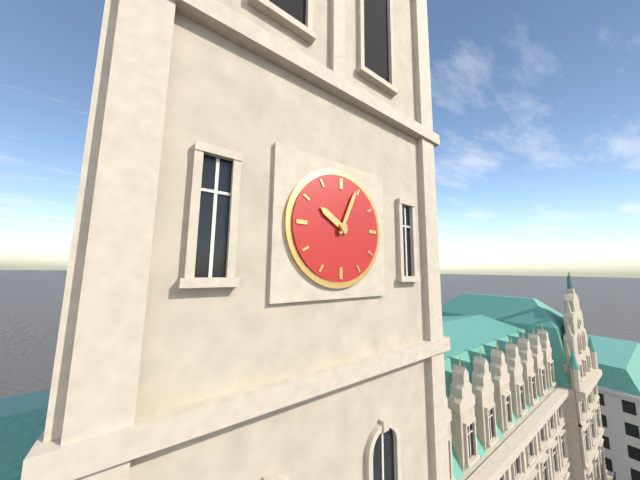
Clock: 10.04
